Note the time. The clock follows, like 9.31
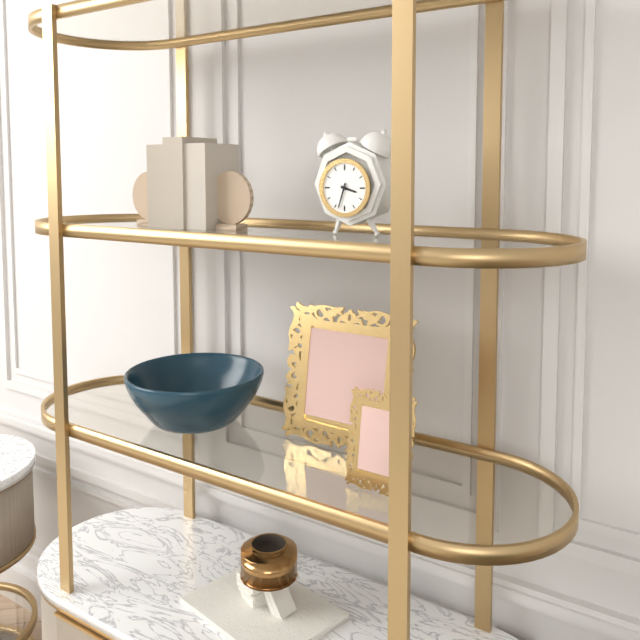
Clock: 3.33
